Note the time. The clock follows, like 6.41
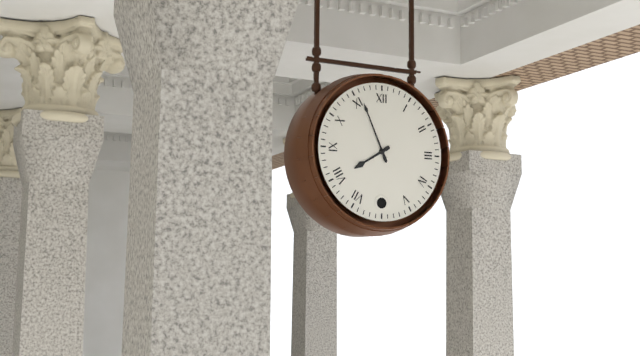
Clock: 7.56
